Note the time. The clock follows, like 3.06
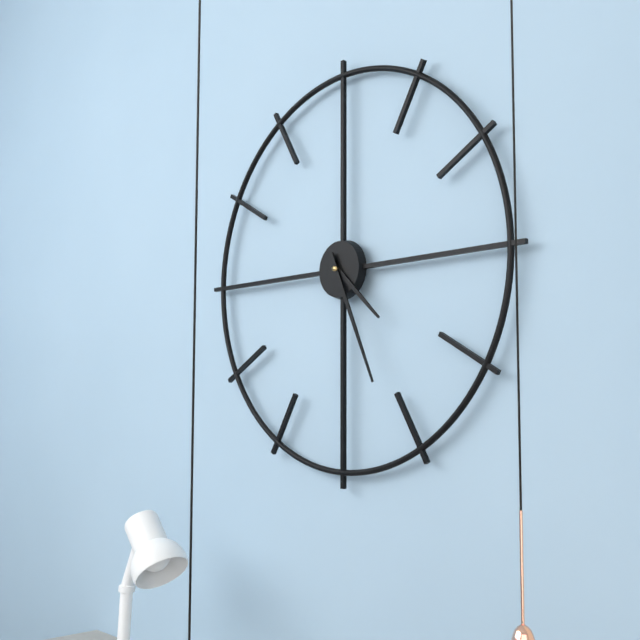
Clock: 4.26
